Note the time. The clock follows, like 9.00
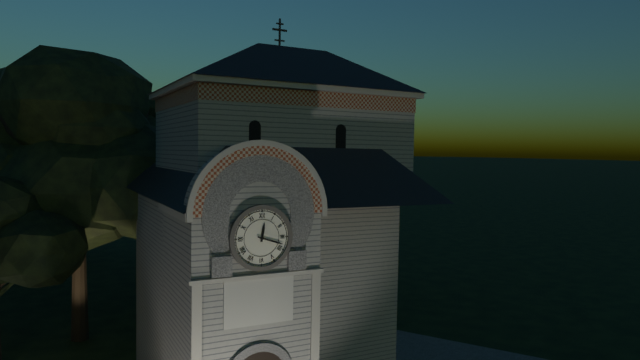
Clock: 12.18
